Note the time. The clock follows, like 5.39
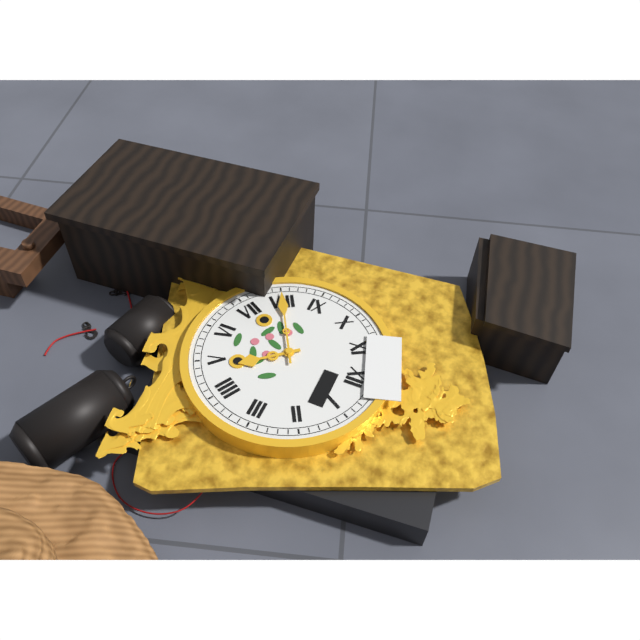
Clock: 4.40
